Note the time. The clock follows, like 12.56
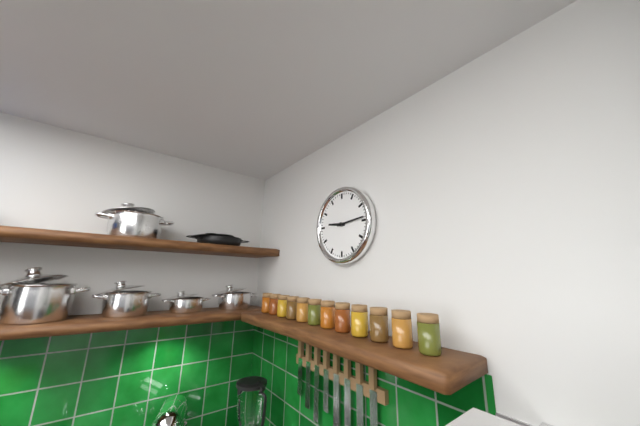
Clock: 9.14
